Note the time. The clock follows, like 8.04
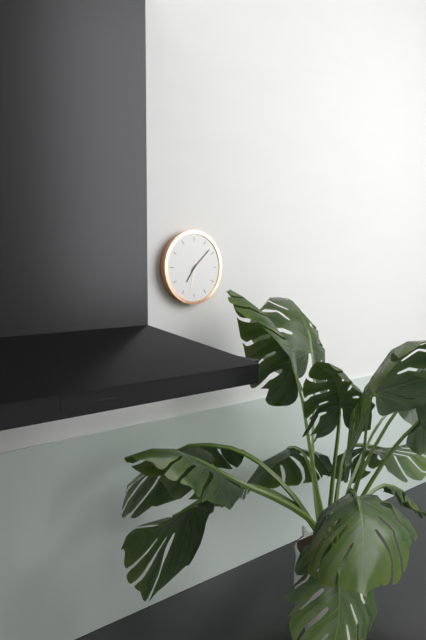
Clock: 7.08
